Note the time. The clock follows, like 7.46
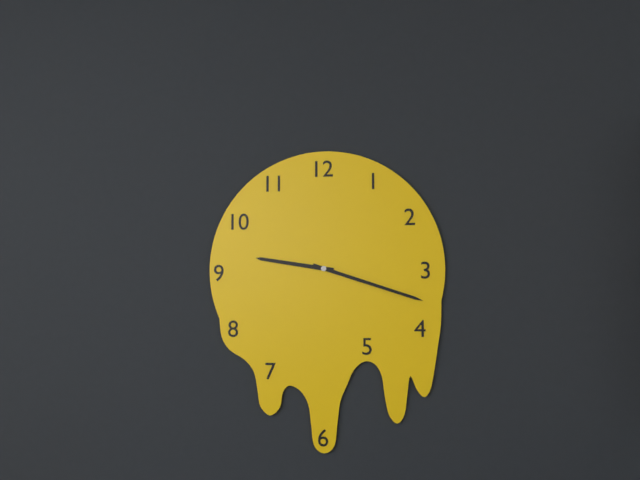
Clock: 9.18
